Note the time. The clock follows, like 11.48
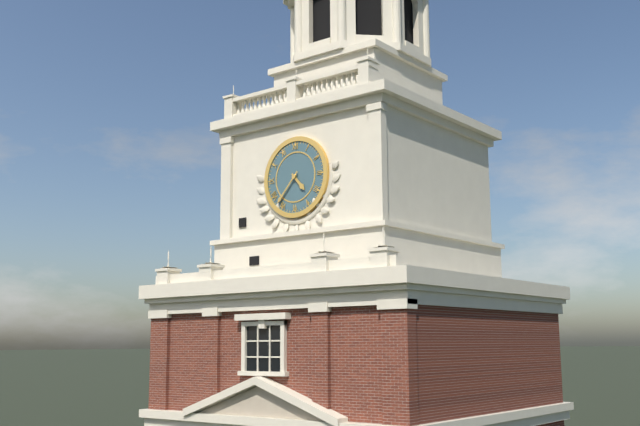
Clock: 4.37
